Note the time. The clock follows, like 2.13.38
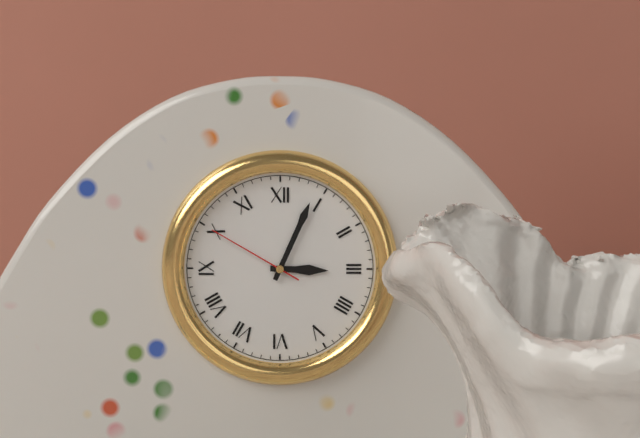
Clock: 3.04.50
